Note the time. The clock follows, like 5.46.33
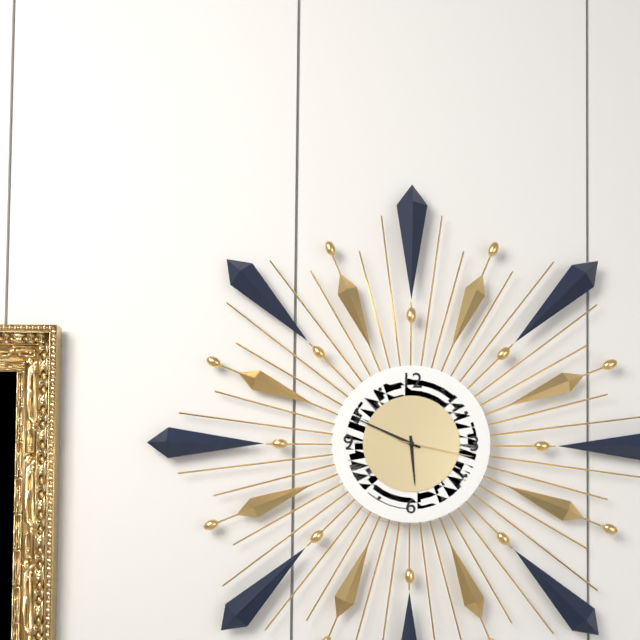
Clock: 5.49.17
